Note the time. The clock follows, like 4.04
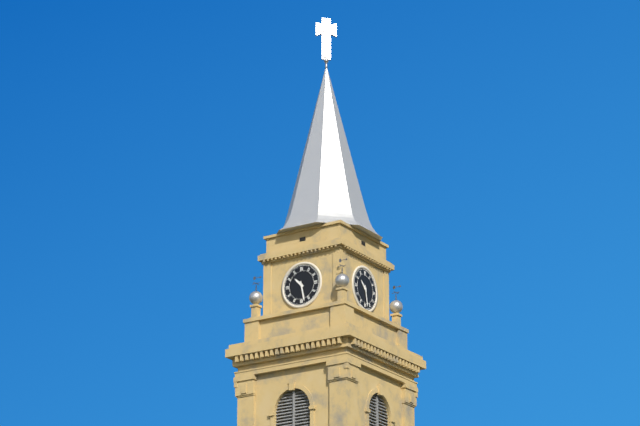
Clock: 10.28
